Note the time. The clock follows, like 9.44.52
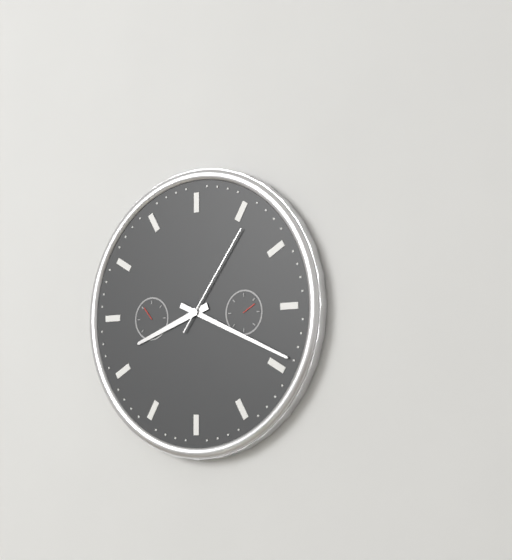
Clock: 8.19.06
